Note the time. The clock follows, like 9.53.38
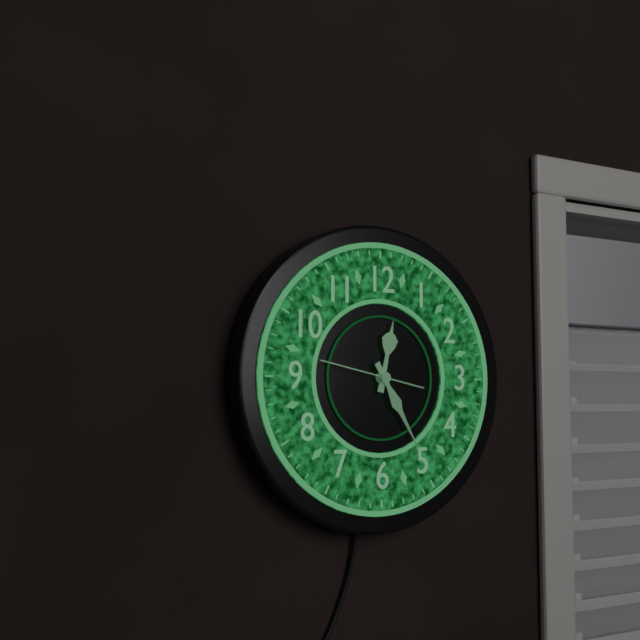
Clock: 12.25.47
